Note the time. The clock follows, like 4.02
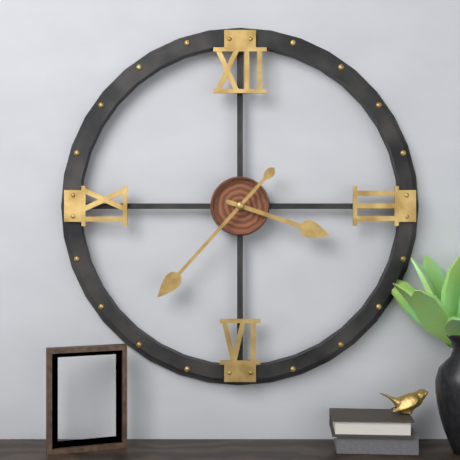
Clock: 3.37
